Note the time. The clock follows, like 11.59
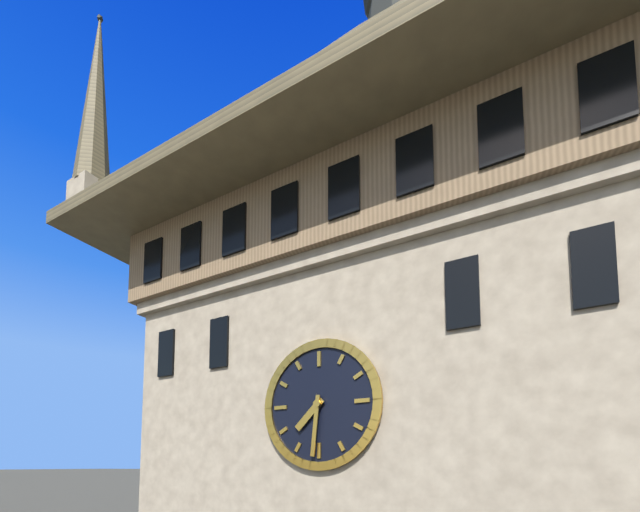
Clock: 7.31
